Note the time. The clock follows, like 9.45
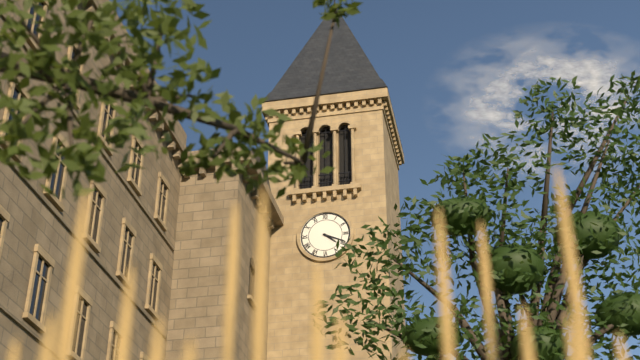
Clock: 4.19
